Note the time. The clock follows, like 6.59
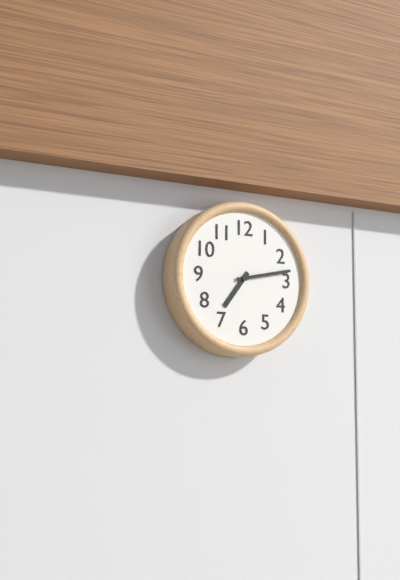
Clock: 7.13
